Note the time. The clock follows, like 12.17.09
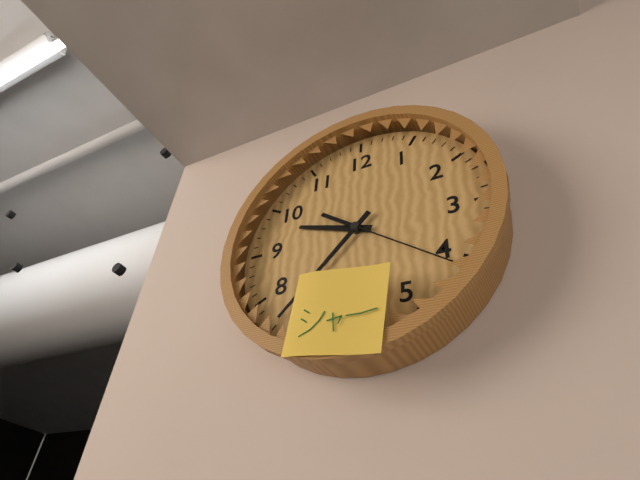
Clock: 9.37.21
